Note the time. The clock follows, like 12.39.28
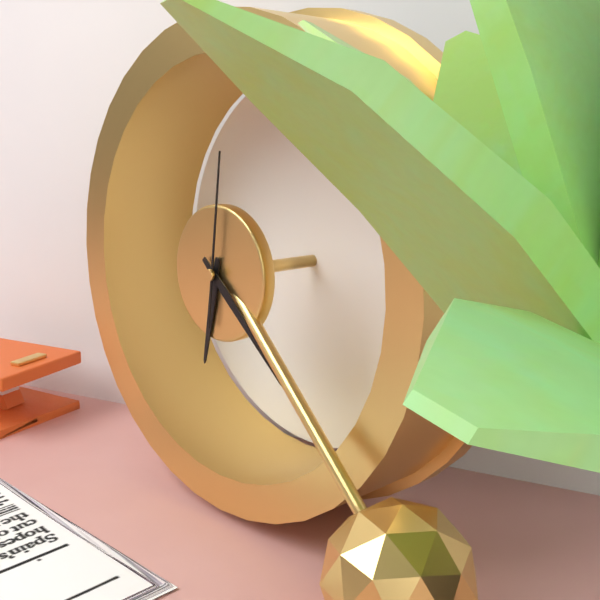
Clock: 6.22.01
